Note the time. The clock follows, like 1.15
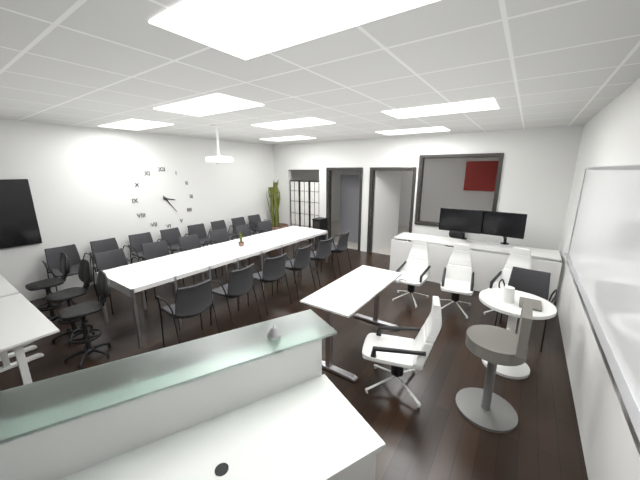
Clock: 3.24
